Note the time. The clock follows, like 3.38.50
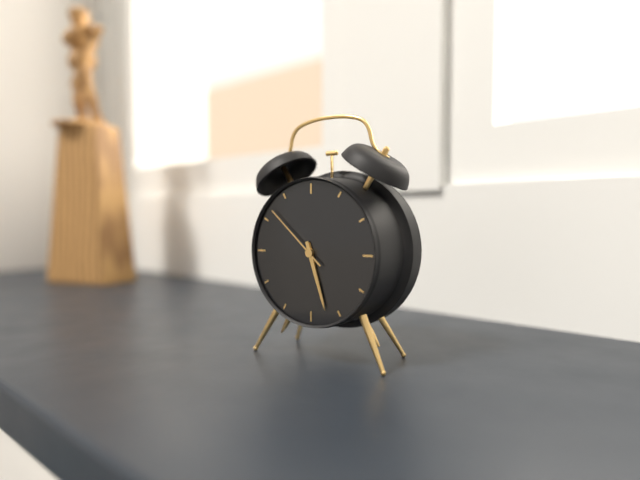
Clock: 5.27.52
